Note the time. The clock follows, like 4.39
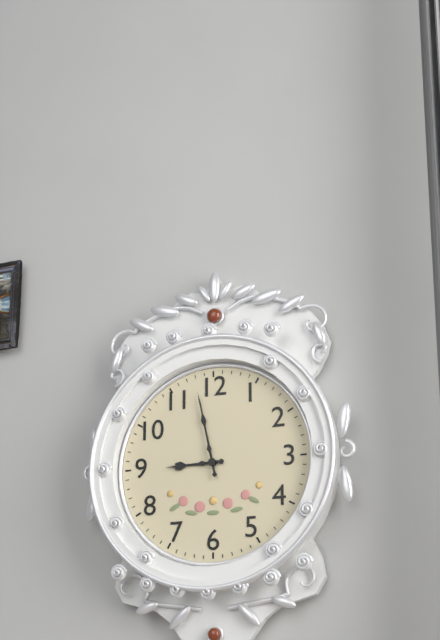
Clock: 8.58
